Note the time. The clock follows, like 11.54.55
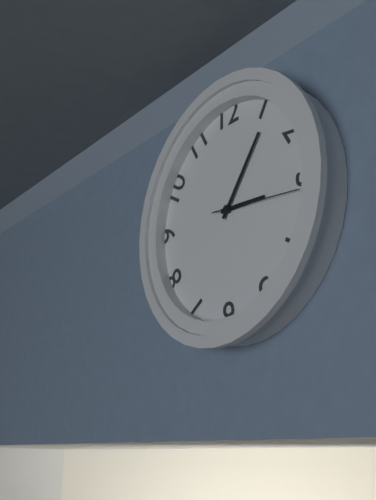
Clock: 3.06.16
